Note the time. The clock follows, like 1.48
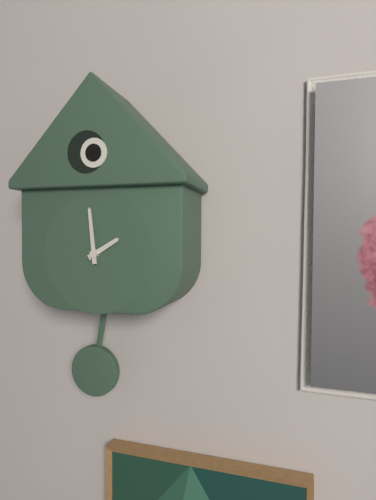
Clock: 1.59
